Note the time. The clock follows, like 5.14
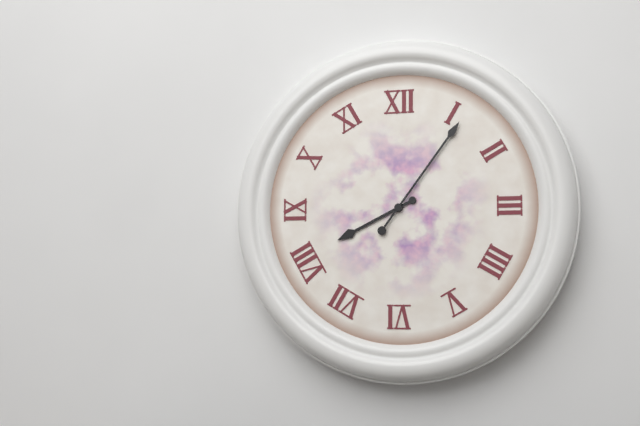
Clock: 8.06
